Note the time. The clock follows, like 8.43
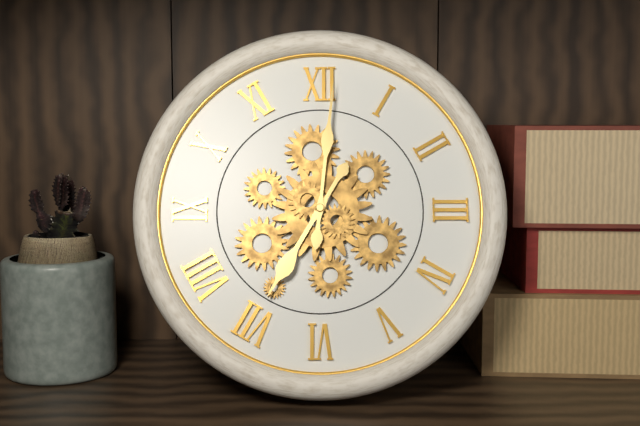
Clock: 7.01
